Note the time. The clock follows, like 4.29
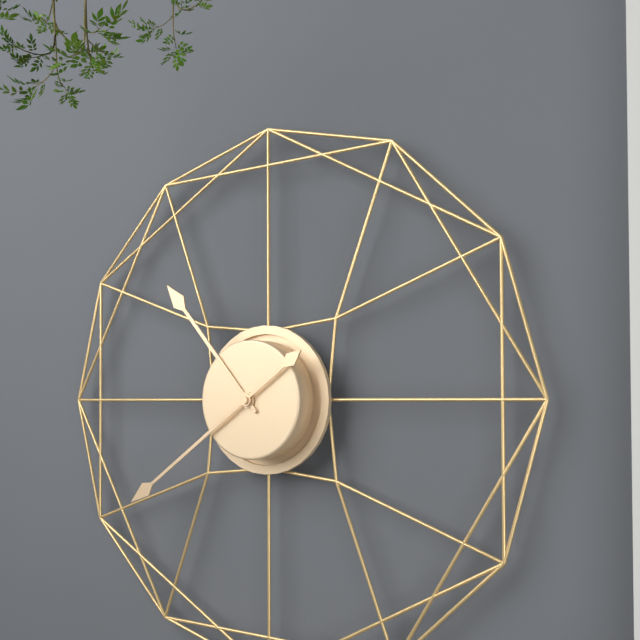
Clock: 10.39
